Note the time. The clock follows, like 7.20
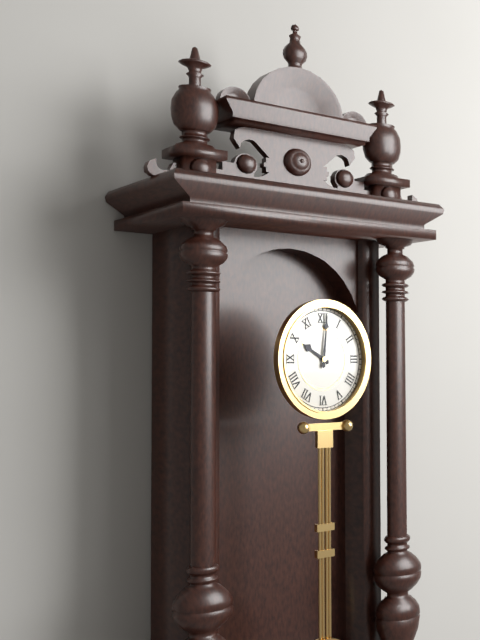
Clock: 10.01
